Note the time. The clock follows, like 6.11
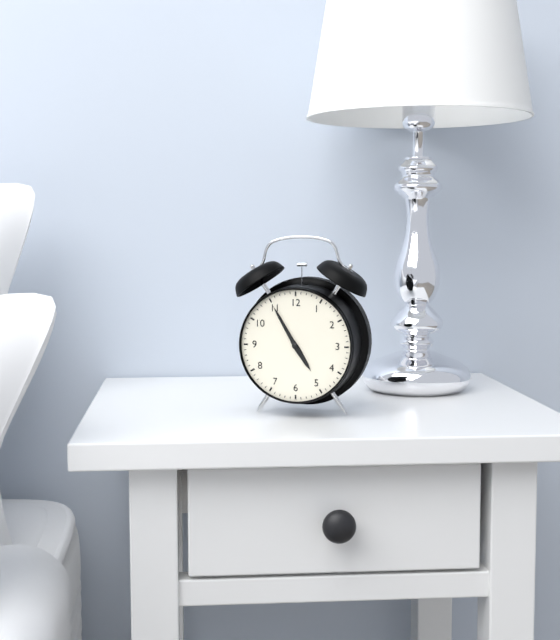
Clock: 4.55
